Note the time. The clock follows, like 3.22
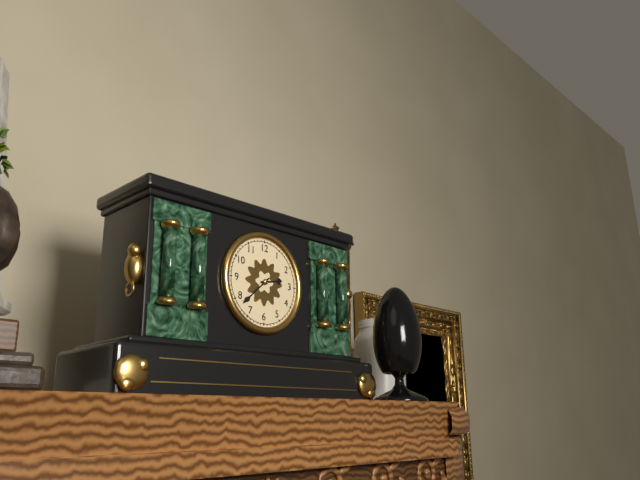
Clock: 2.38
